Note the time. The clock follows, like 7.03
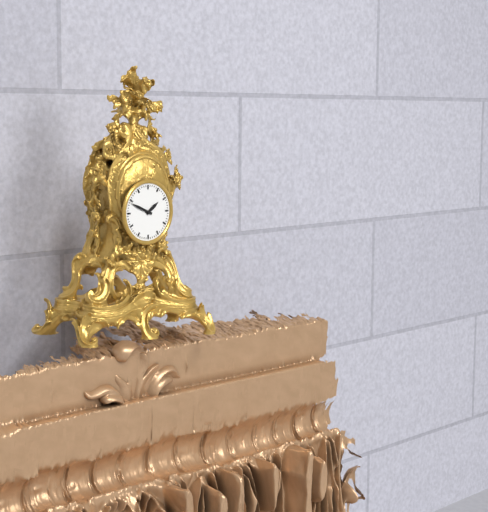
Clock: 1.49
